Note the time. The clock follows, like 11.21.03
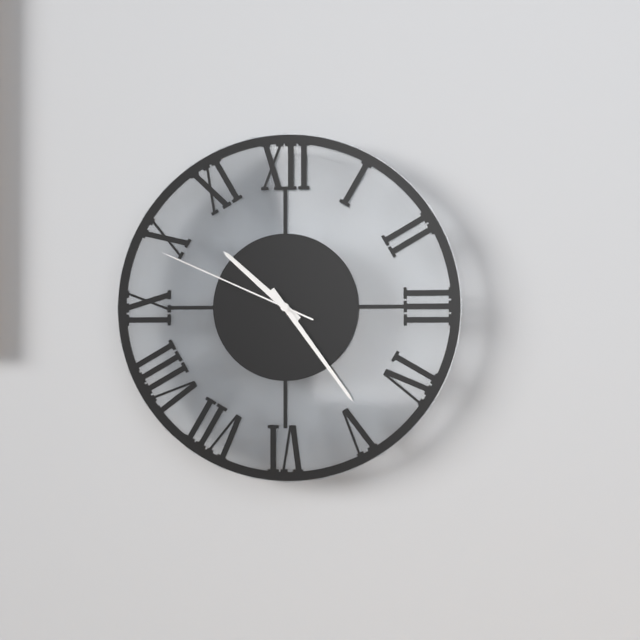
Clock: 10.24.49
